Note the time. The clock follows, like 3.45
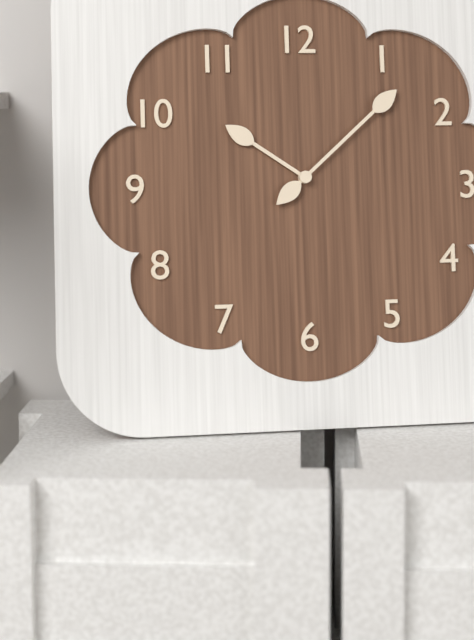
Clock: 10.08
